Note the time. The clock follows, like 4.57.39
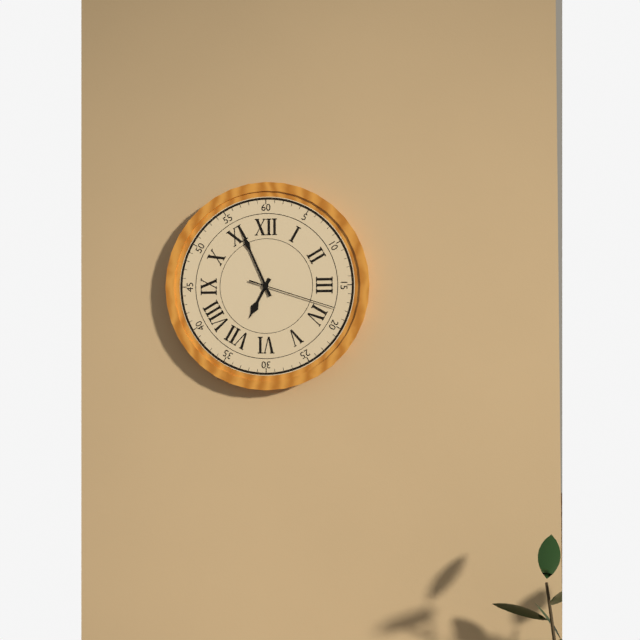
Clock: 6.56.18
